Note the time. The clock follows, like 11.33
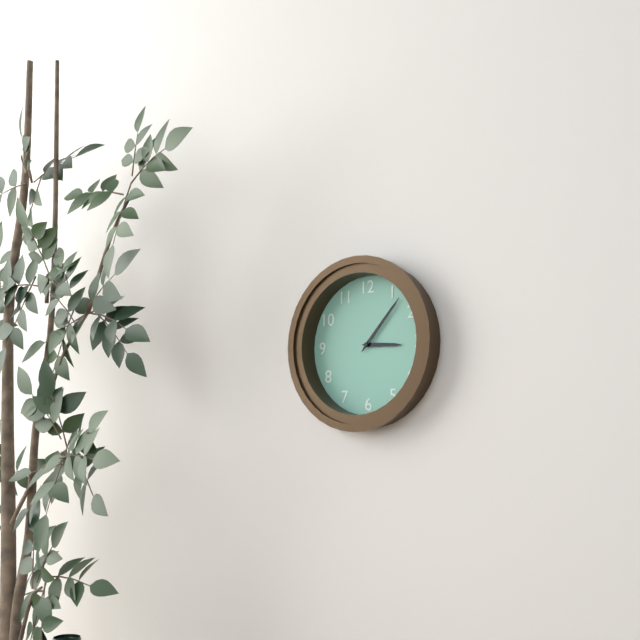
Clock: 3.07
